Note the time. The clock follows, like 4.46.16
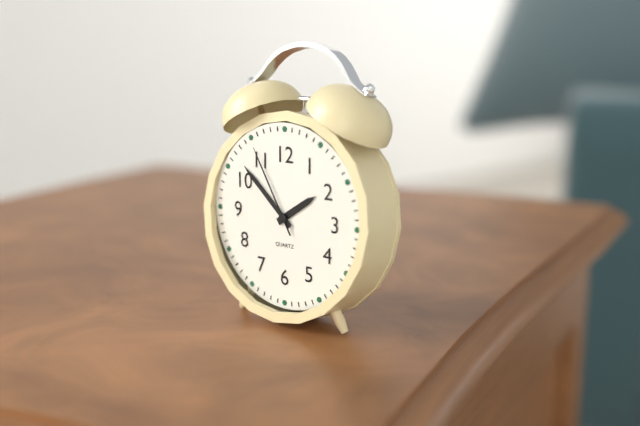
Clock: 1.52.55
